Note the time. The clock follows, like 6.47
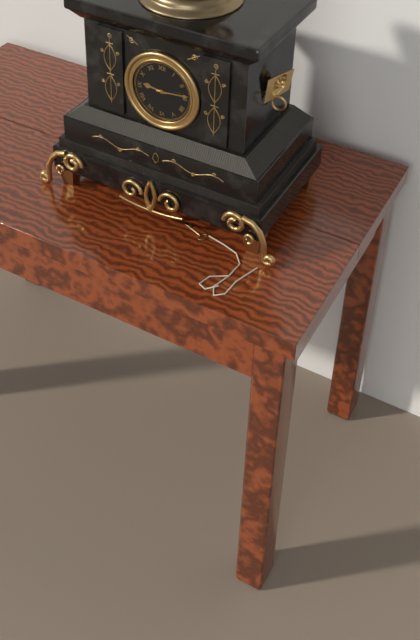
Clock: 9.14
